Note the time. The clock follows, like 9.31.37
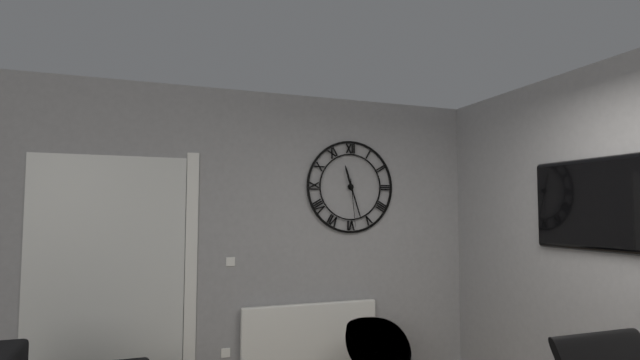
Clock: 11.27.29
